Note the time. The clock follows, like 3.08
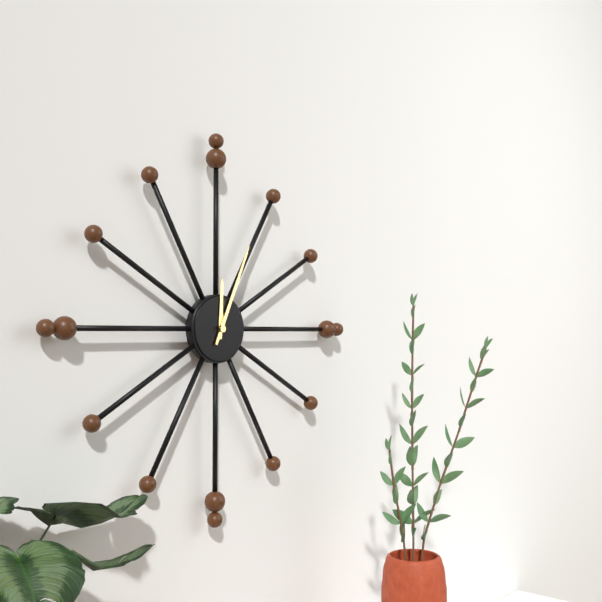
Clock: 12.04
